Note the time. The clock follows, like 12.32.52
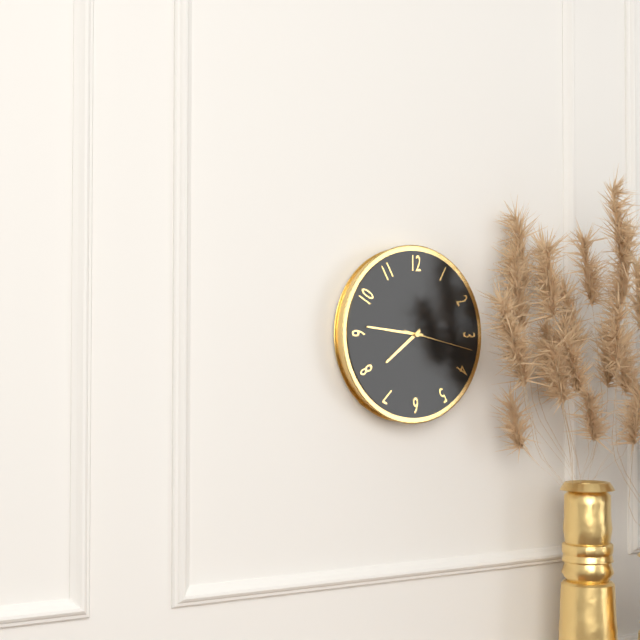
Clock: 7.46.17
